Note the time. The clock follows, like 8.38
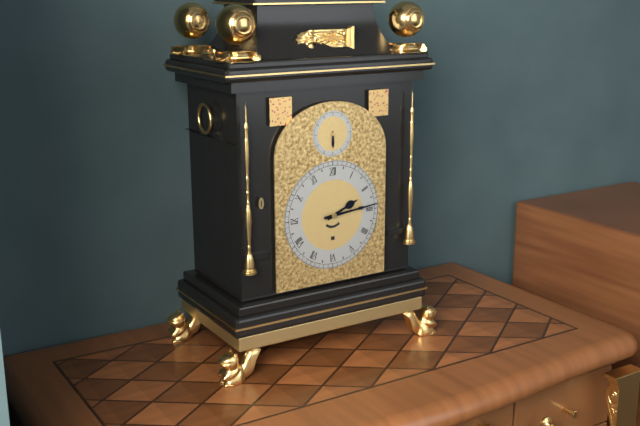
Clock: 2.14
